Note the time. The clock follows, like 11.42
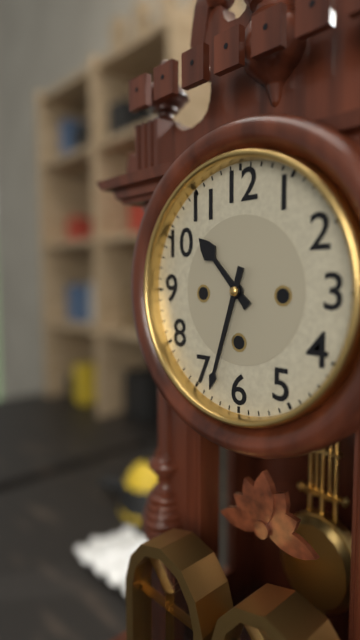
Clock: 10.33
